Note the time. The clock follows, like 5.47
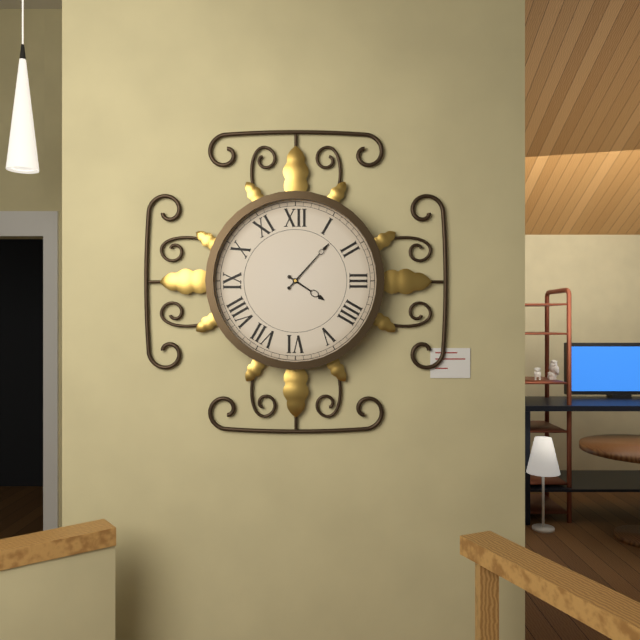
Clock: 4.07
